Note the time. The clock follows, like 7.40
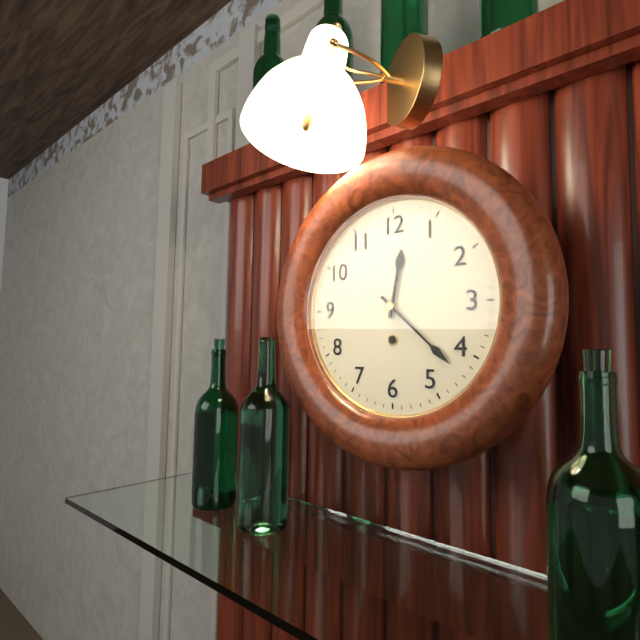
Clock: 12.22
